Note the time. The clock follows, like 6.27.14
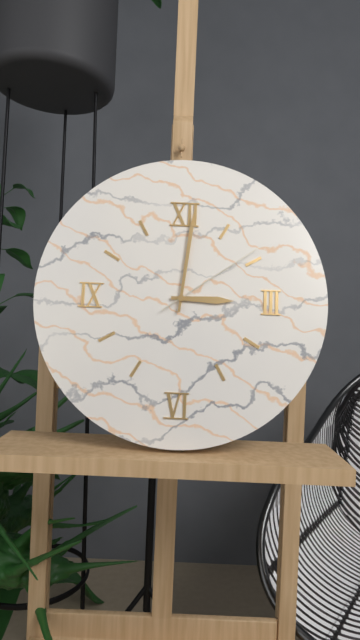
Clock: 3.01.09
